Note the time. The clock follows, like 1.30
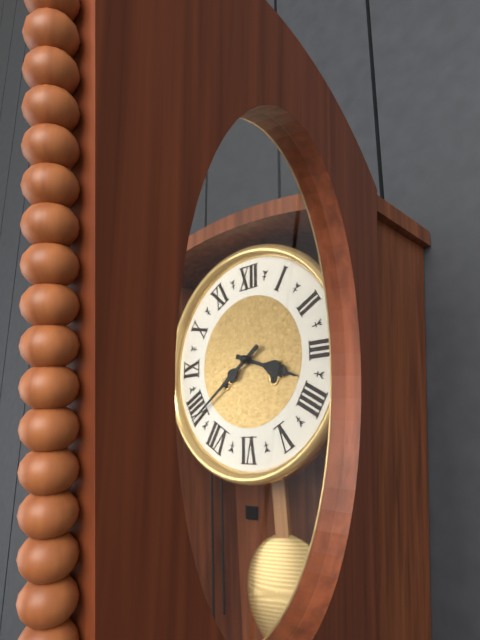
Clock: 3.39
